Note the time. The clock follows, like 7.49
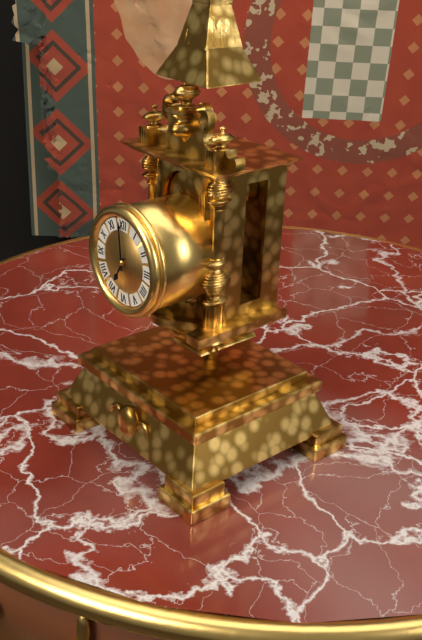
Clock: 6.59
